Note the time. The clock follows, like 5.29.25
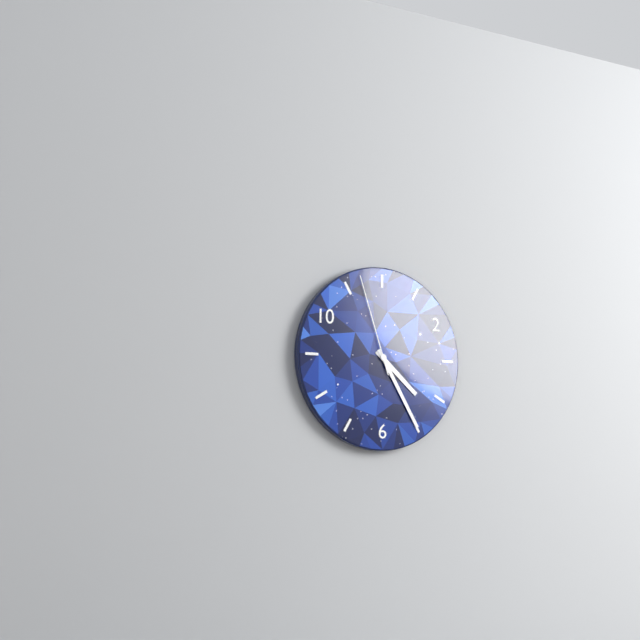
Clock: 4.25.57
